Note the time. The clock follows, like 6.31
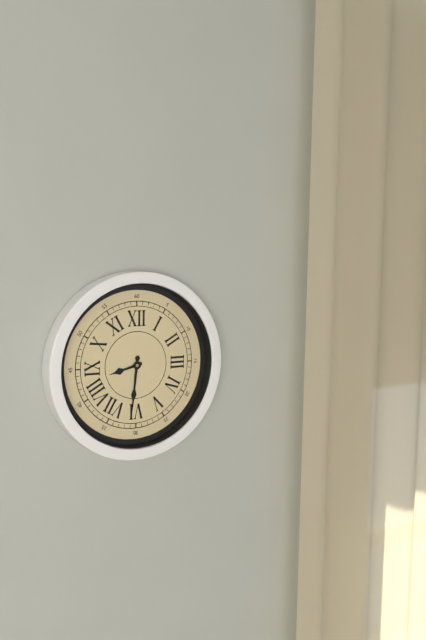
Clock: 8.31
